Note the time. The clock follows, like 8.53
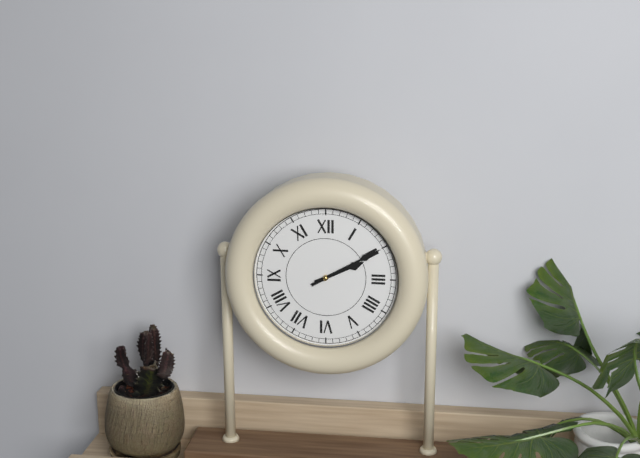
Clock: 2.10
